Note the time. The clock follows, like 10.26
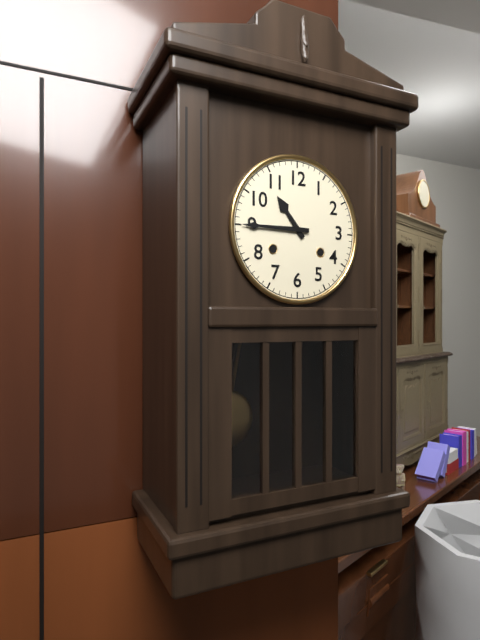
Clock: 10.45
